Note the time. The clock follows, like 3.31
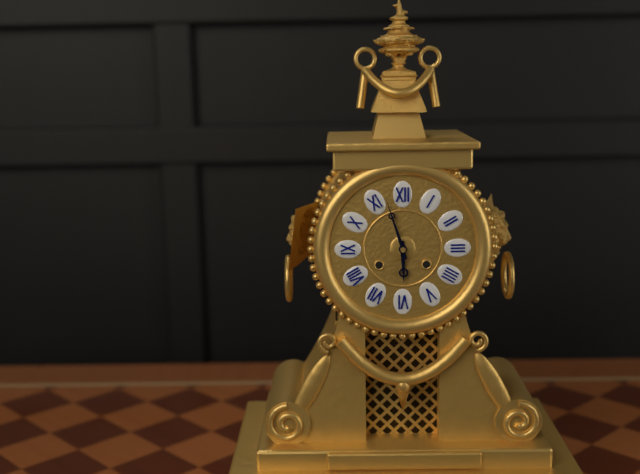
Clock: 5.57
